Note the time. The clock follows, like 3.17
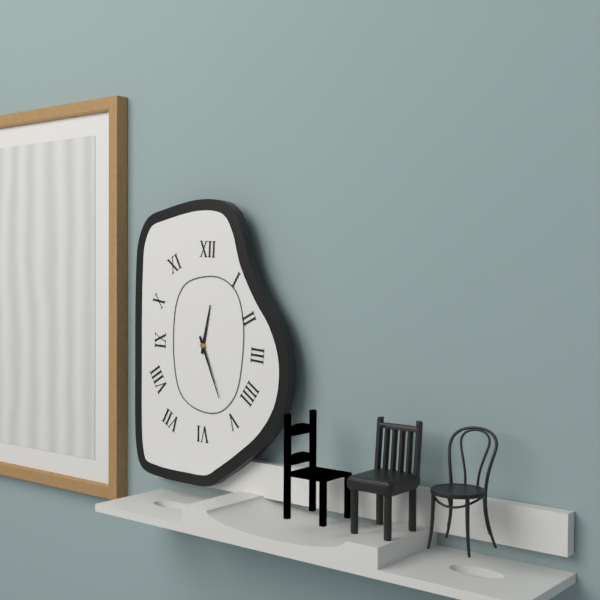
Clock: 12.26
